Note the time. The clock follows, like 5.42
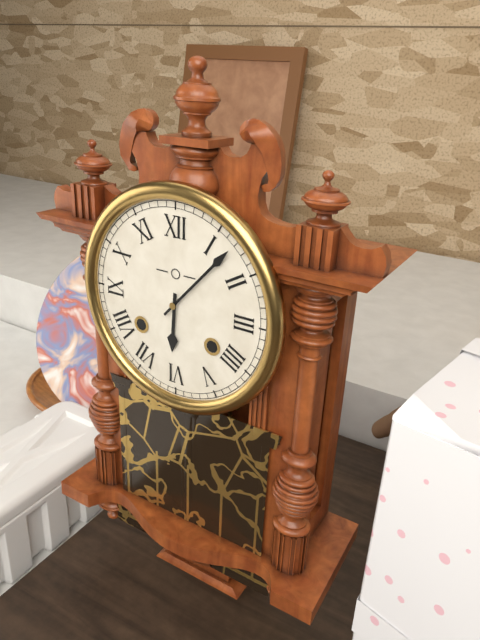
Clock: 6.07
